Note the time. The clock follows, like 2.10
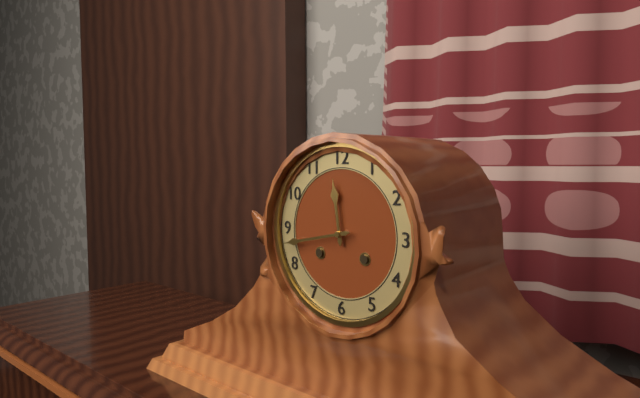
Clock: 11.43
